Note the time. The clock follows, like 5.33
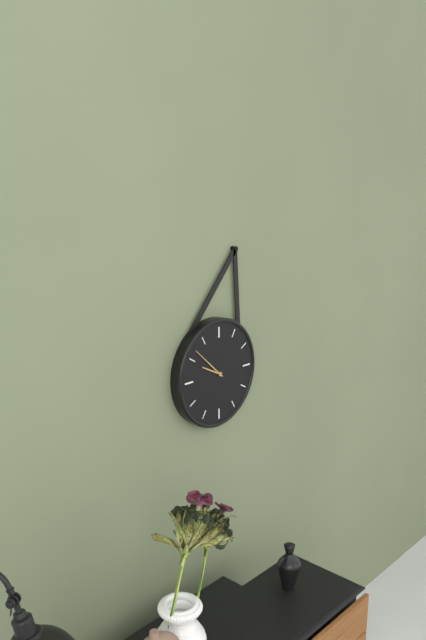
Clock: 9.52
